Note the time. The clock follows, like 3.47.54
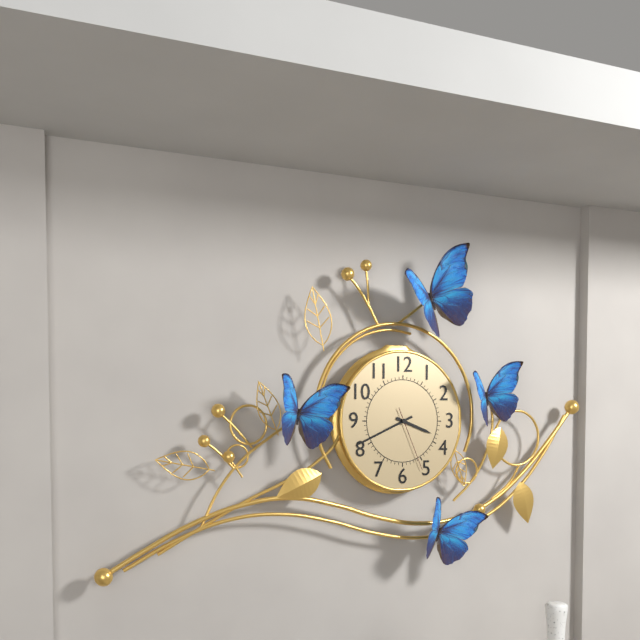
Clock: 3.41.26
